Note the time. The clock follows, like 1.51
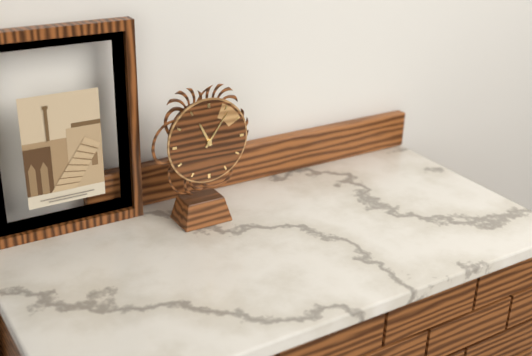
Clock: 11.06
